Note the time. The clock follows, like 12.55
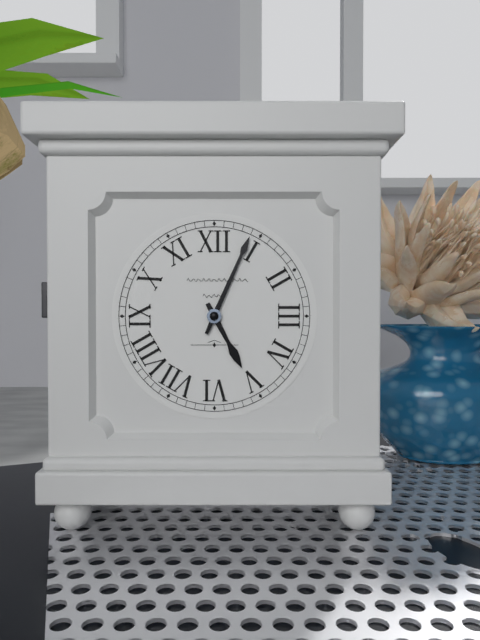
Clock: 5.04
